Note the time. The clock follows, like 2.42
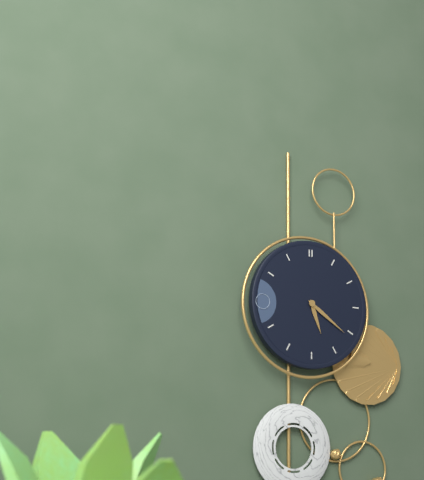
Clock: 5.21
